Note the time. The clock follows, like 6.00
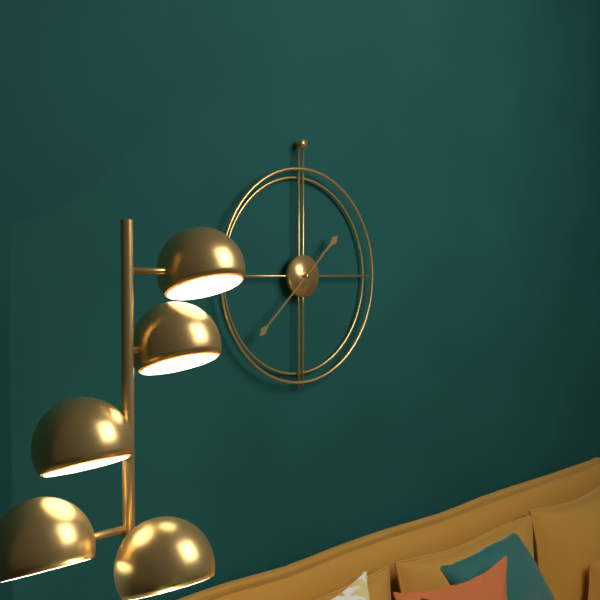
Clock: 1.38
